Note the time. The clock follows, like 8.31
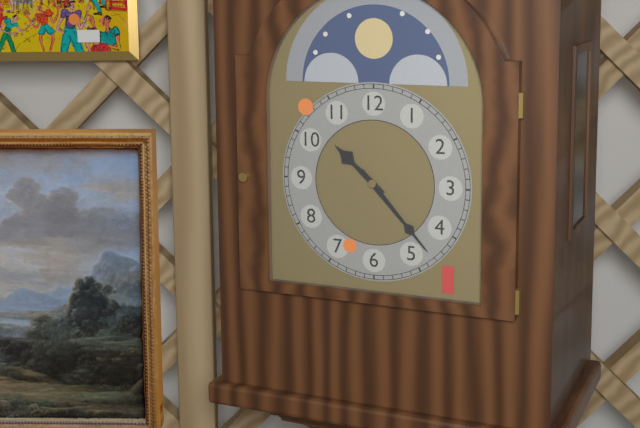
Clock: 10.23
